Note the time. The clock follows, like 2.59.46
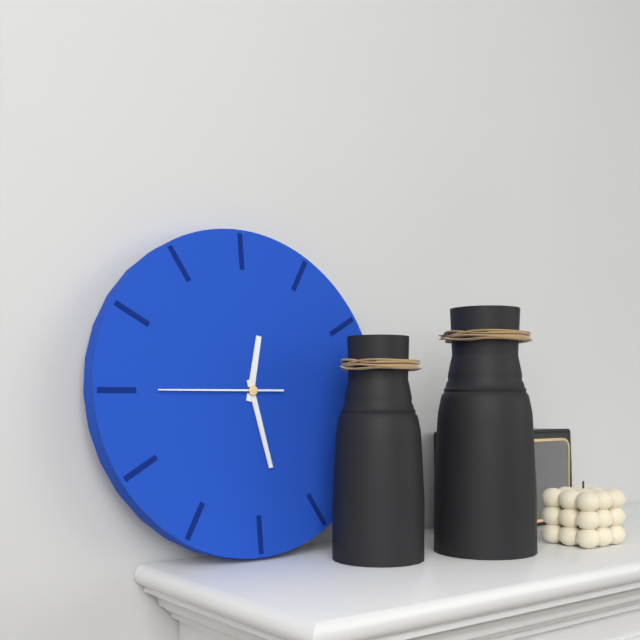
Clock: 12.28.45
